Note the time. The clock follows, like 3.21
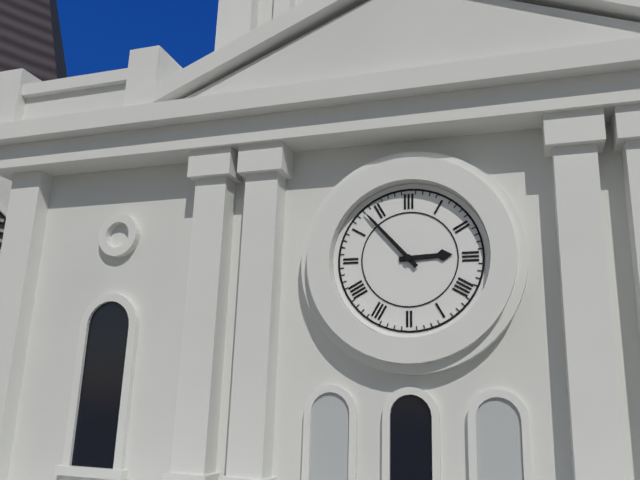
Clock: 2.53
